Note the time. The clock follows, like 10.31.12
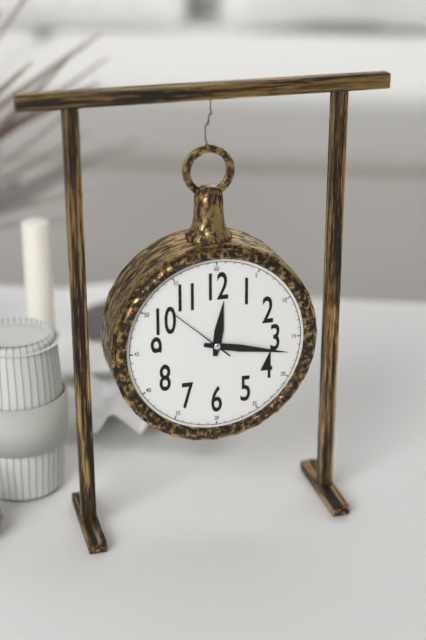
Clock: 12.17.52
